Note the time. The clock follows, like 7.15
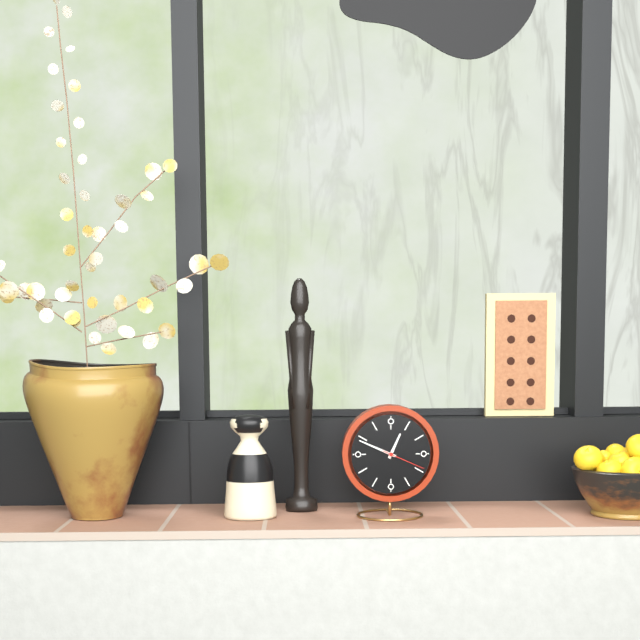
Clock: 12.49
